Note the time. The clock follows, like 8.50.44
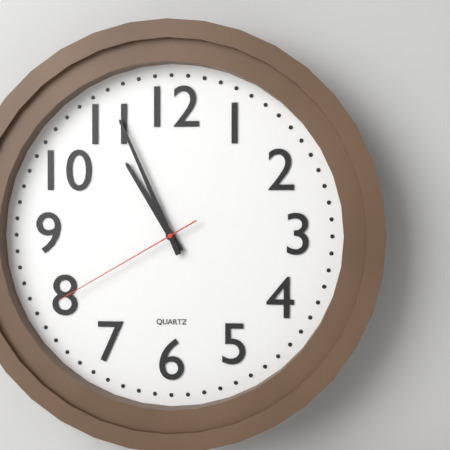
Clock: 10.56.40
